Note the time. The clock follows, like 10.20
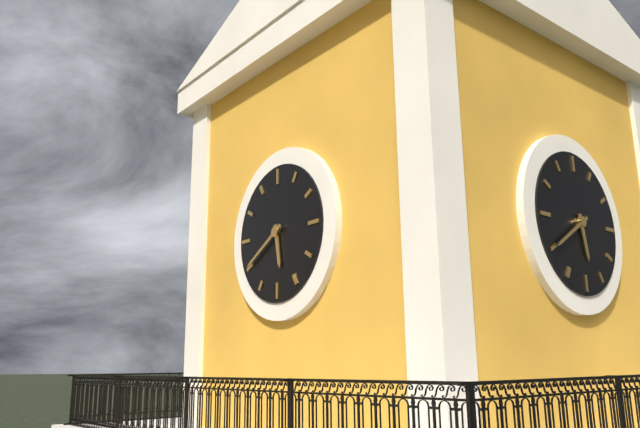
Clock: 5.40
